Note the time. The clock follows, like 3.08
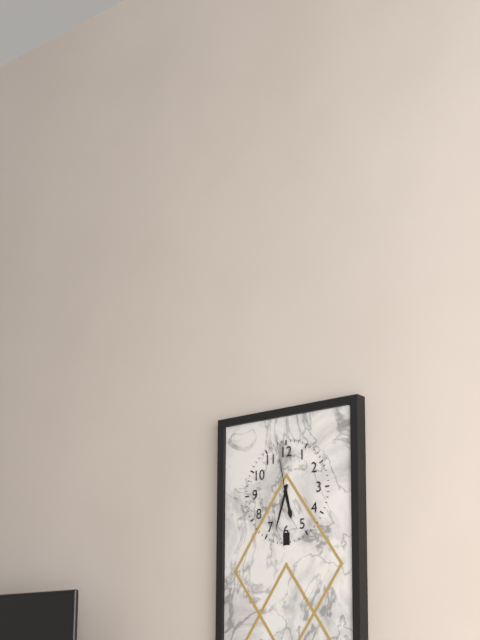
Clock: 5.33
